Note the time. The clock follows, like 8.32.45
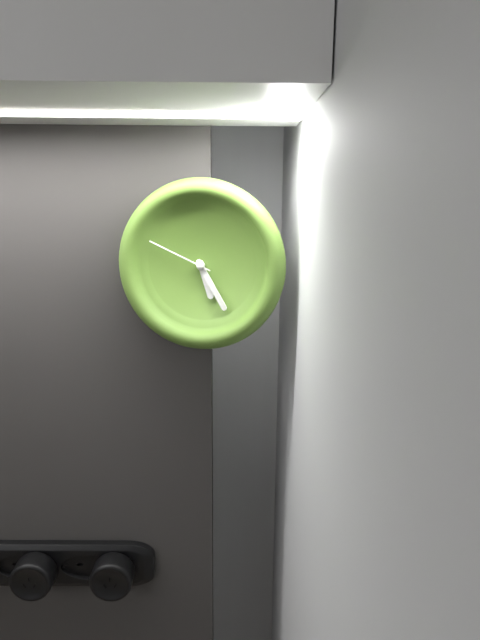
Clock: 5.25.49
